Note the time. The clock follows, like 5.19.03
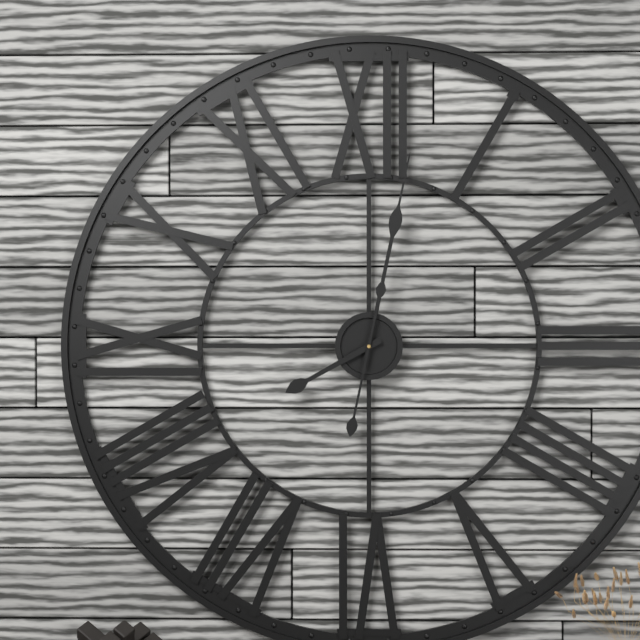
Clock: 8.02.32
